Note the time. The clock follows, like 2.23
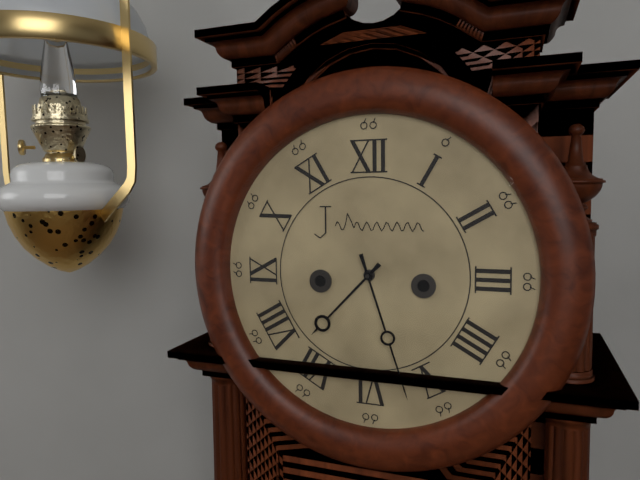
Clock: 7.27
